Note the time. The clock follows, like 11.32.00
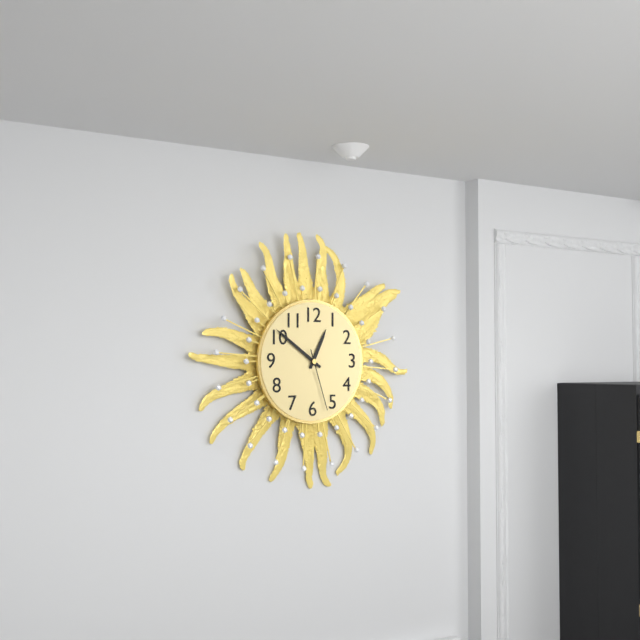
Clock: 12.51.27
